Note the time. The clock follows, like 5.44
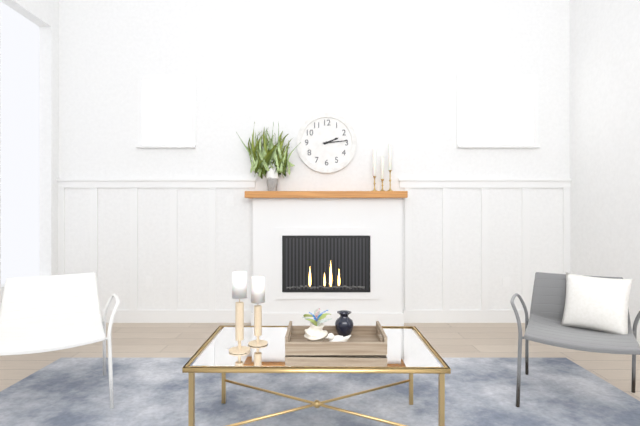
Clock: 2.14
